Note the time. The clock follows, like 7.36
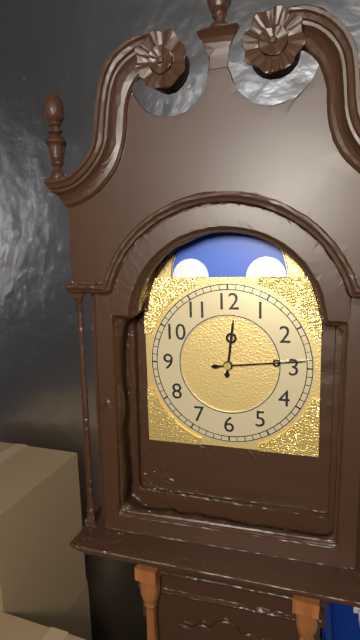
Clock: 12.14
